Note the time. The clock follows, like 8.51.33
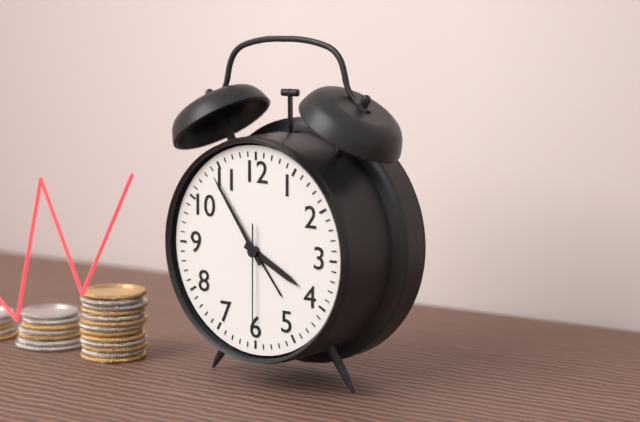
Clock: 3.54.30
